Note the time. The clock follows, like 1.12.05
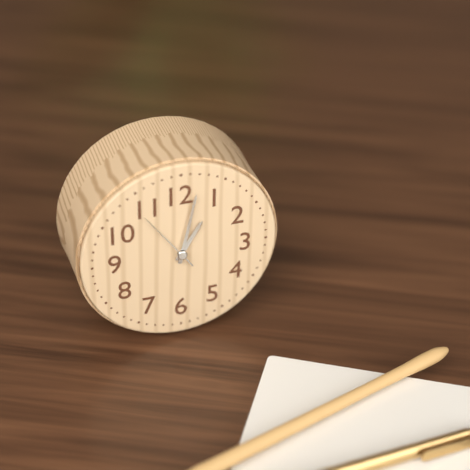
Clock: 1.02.54
